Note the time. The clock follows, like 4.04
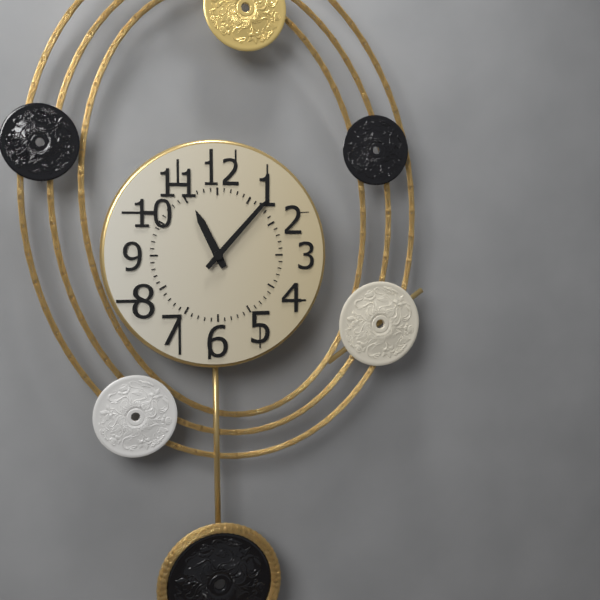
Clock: 11.07
